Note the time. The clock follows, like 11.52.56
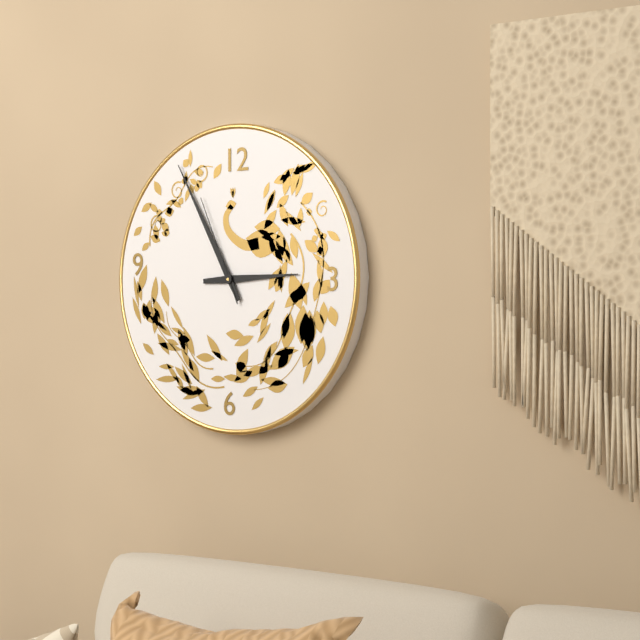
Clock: 2.55.56
